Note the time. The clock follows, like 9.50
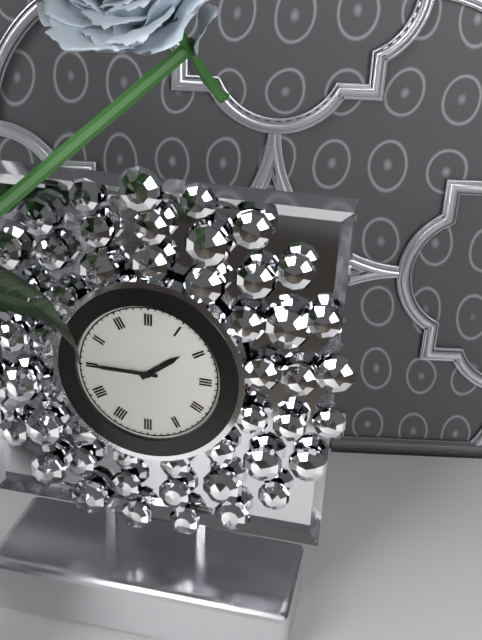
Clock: 1.45
